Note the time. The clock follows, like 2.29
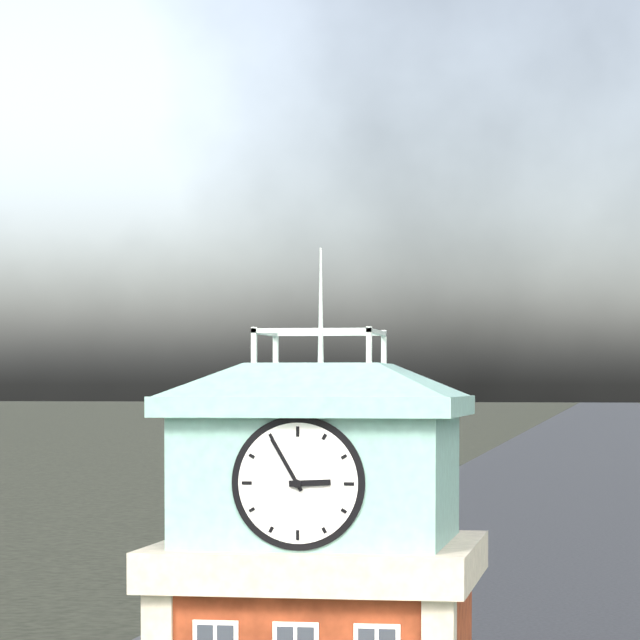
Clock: 2.55
